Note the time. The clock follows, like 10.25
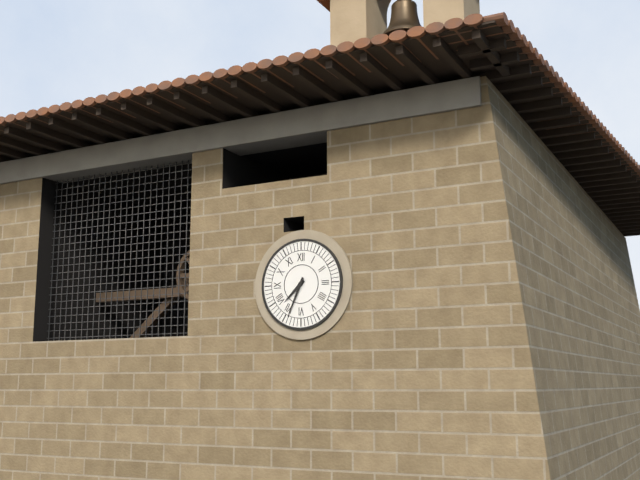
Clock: 7.34
